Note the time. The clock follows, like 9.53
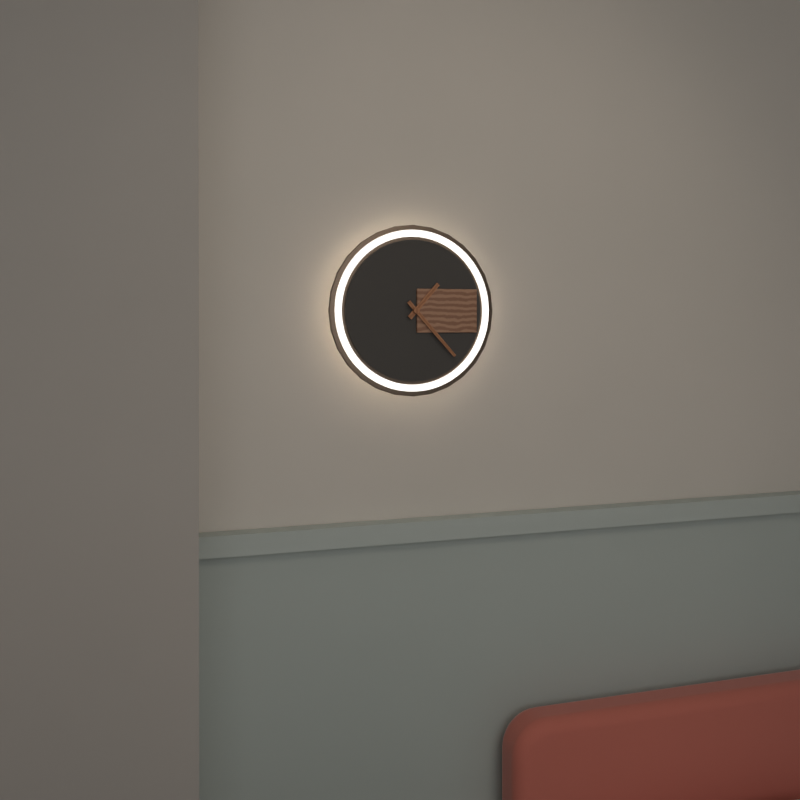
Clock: 1.23
